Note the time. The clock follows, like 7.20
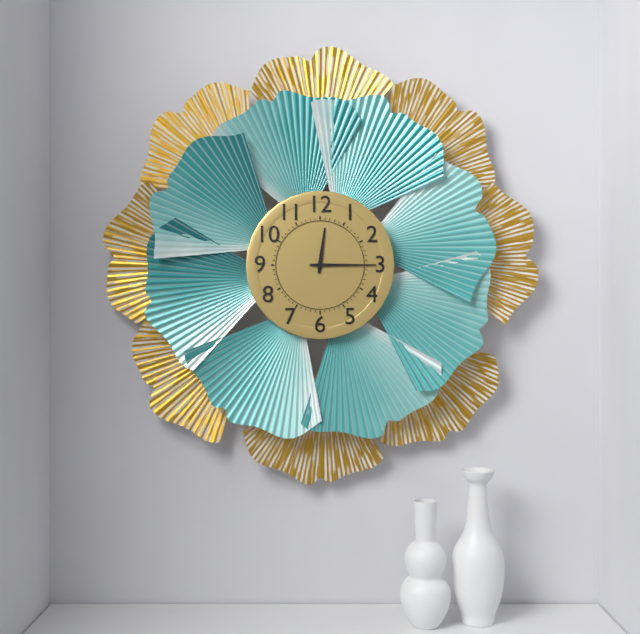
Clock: 12.15
